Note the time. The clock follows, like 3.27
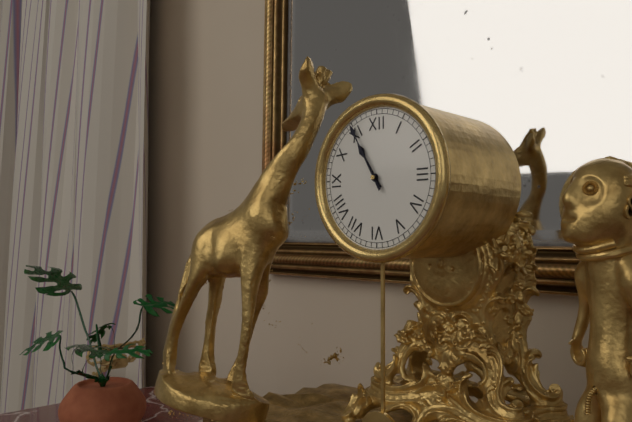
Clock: 10.55
